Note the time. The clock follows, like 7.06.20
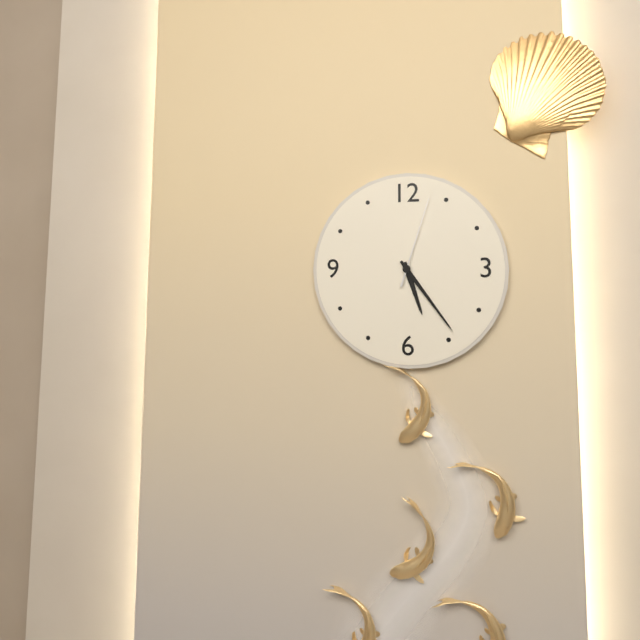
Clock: 5.24.03
